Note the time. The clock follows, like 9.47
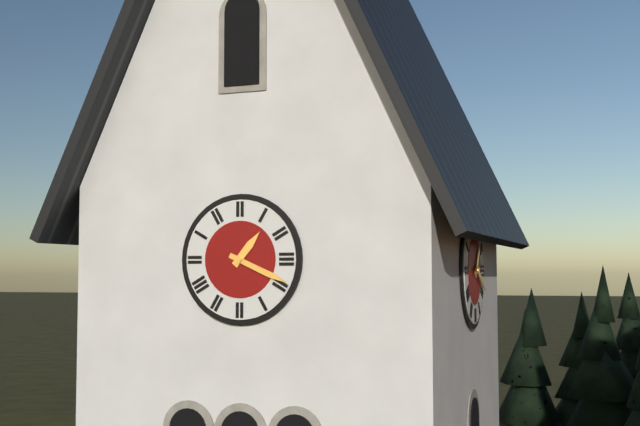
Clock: 1.19
